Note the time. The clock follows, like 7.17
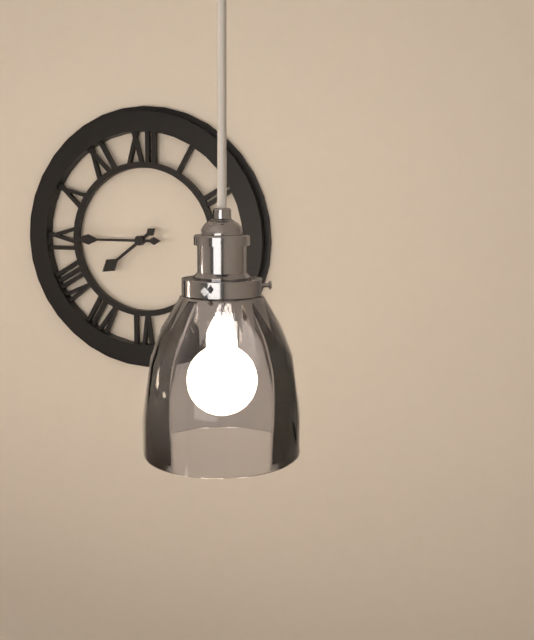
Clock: 7.45
